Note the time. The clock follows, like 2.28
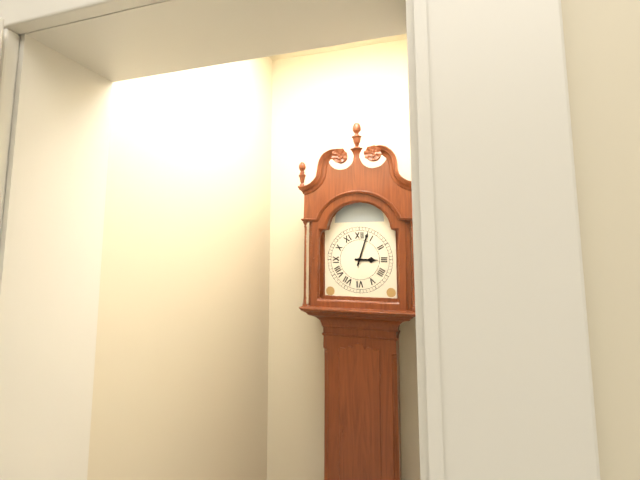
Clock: 3.03
